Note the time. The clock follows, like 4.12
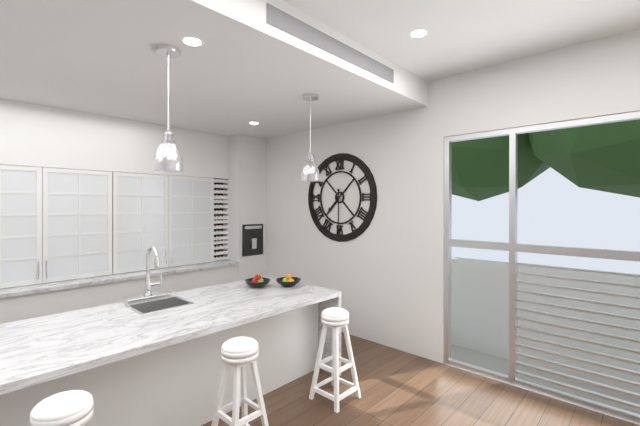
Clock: 7.30
